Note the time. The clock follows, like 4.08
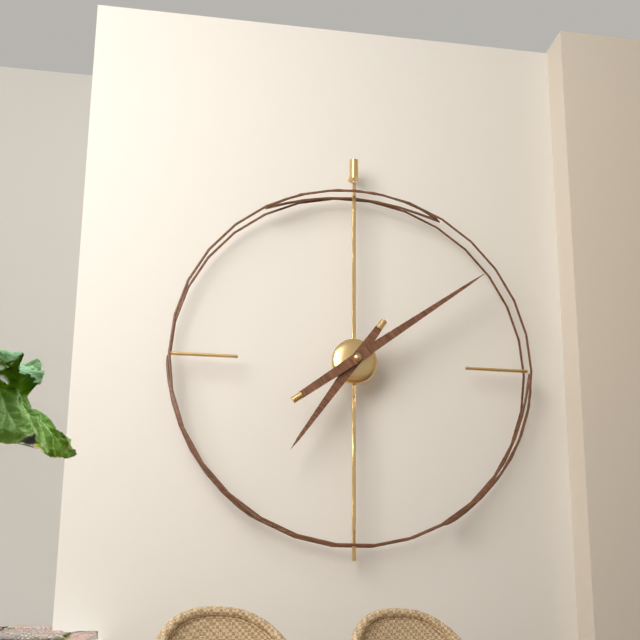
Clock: 7.09
